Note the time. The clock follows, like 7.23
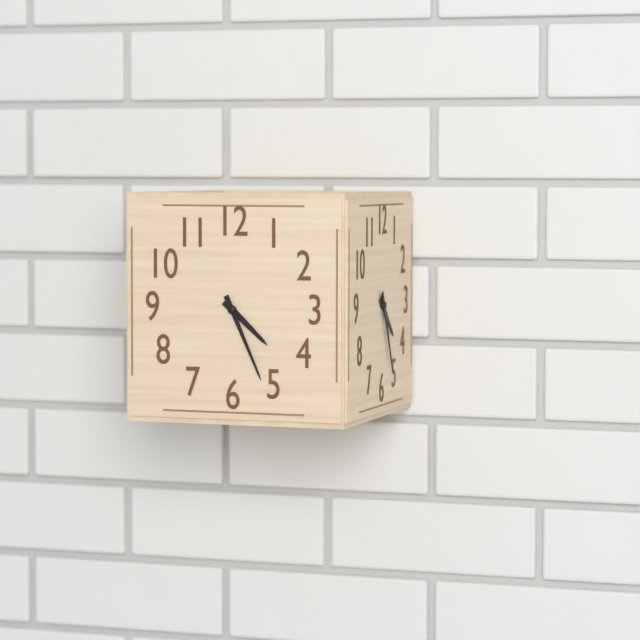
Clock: 4.26
